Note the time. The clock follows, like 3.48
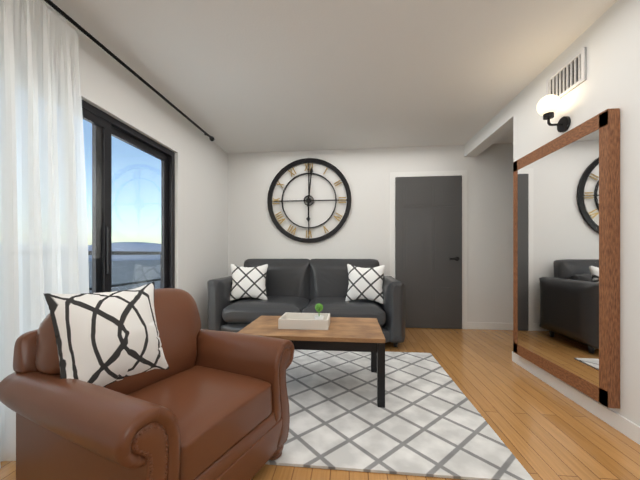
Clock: 6.01
